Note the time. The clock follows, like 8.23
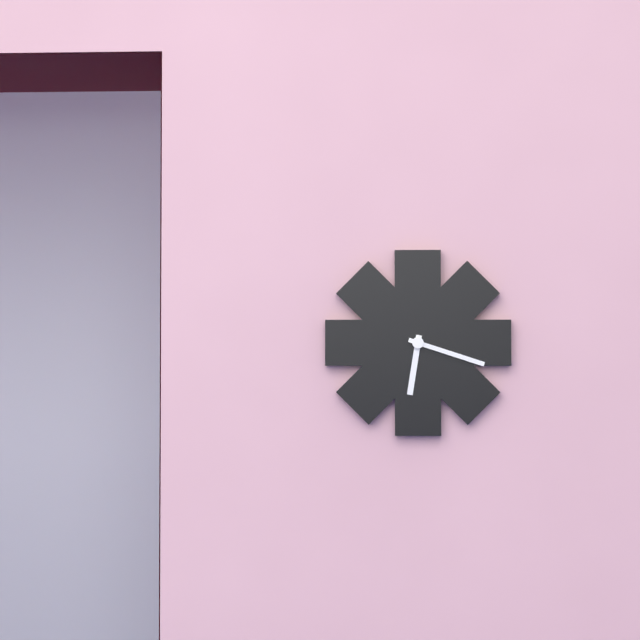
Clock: 6.18
